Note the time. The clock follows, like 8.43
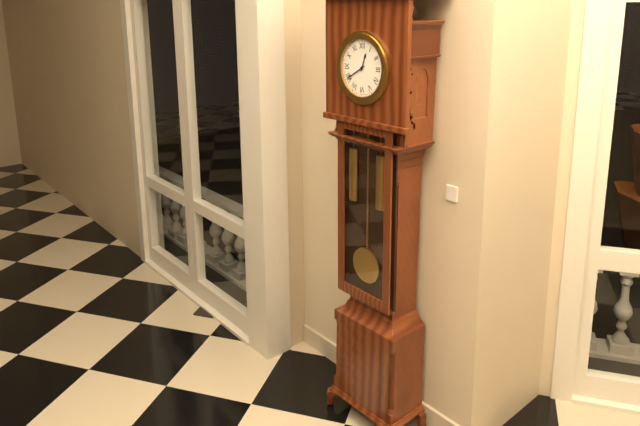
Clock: 12.40
